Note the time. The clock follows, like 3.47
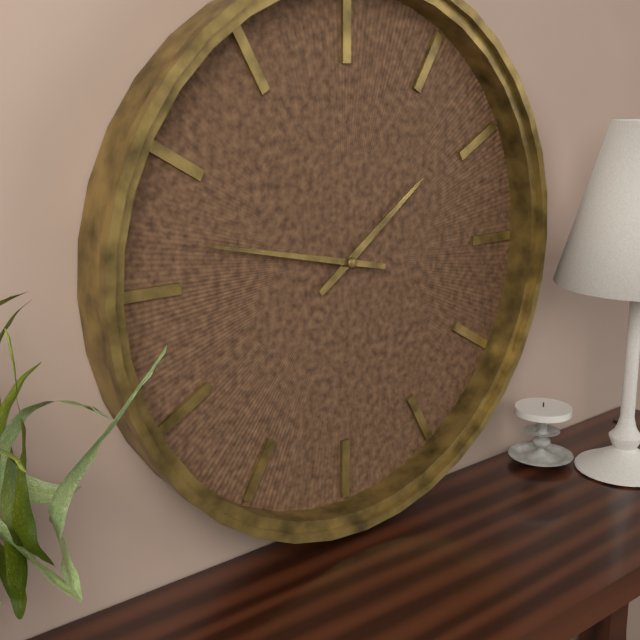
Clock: 1.47
